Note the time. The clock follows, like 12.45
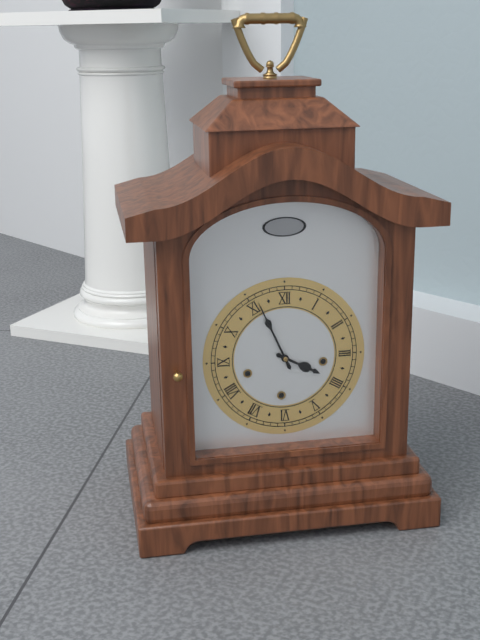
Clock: 3.56
